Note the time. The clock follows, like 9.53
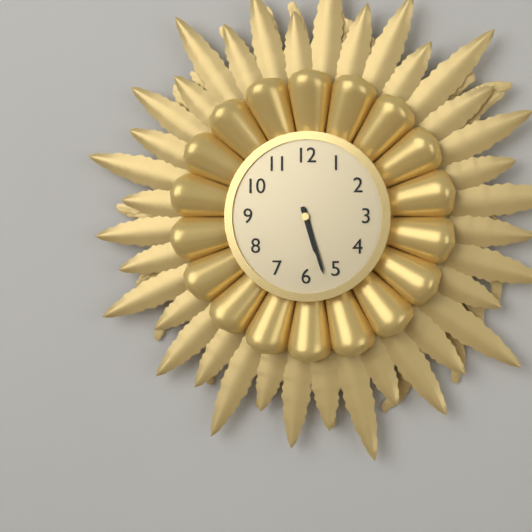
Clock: 5.27
